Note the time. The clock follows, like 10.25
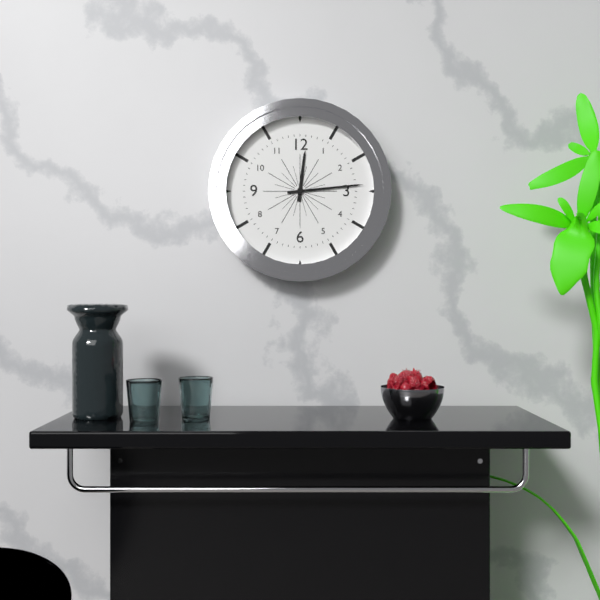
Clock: 12.14
